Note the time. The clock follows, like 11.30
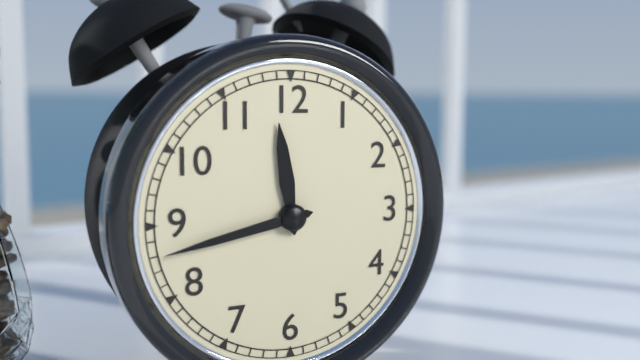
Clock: 11.43
